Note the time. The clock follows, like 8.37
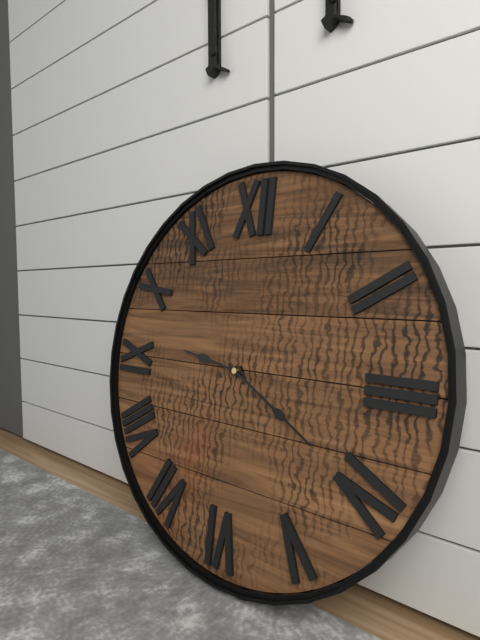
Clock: 9.20
